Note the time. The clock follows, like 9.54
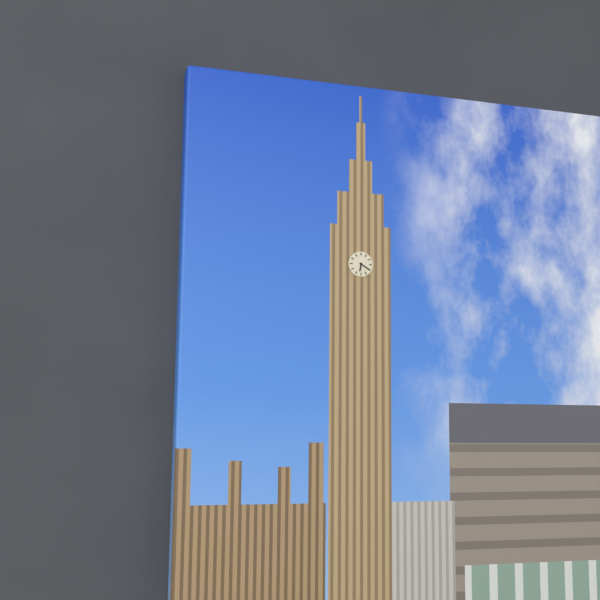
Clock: 6.20
